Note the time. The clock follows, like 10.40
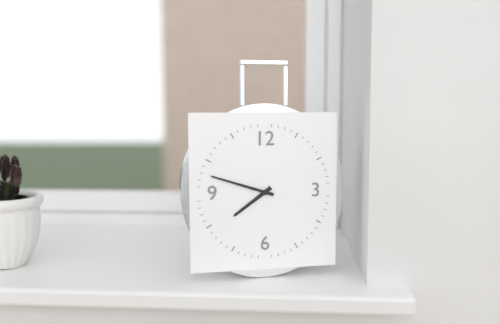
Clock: 7.48
